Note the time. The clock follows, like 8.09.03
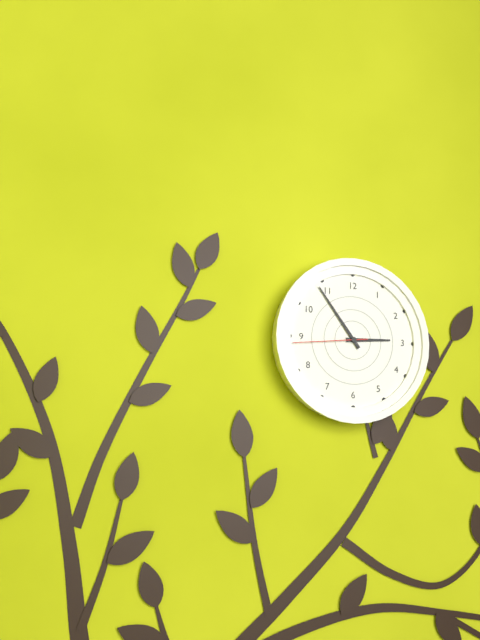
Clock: 2.54.44
